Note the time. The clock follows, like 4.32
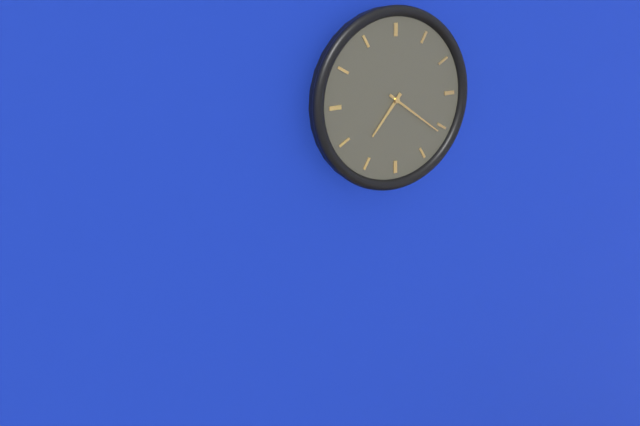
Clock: 7.21
